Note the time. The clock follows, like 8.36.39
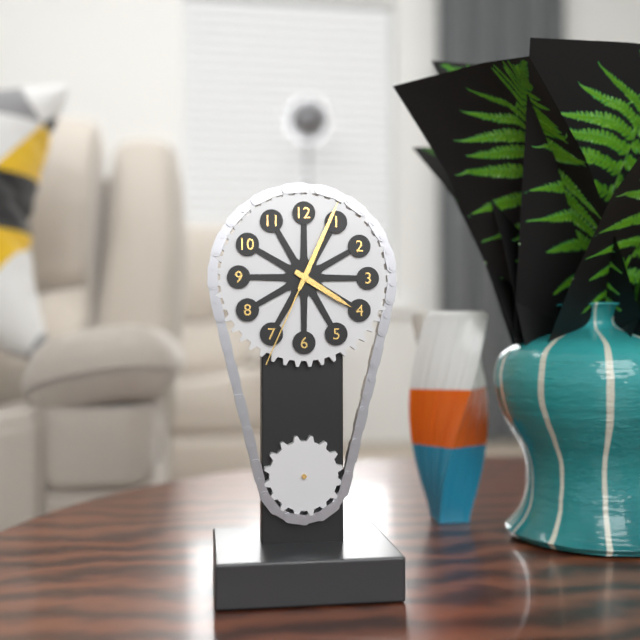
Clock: 4.04.34
